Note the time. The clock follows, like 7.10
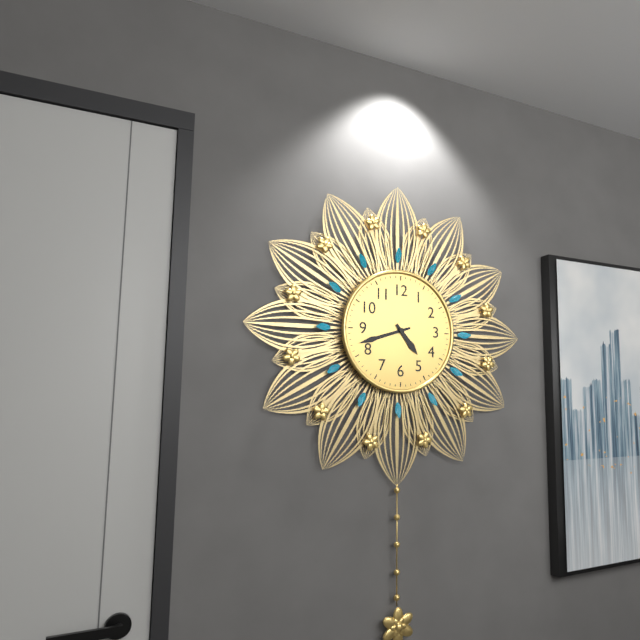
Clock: 4.42
